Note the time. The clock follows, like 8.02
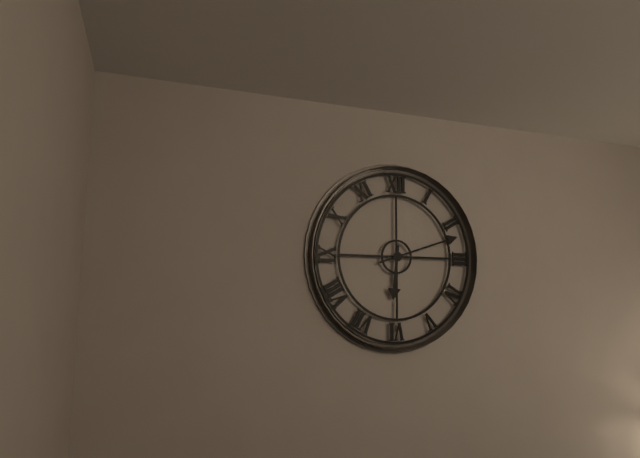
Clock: 6.12
